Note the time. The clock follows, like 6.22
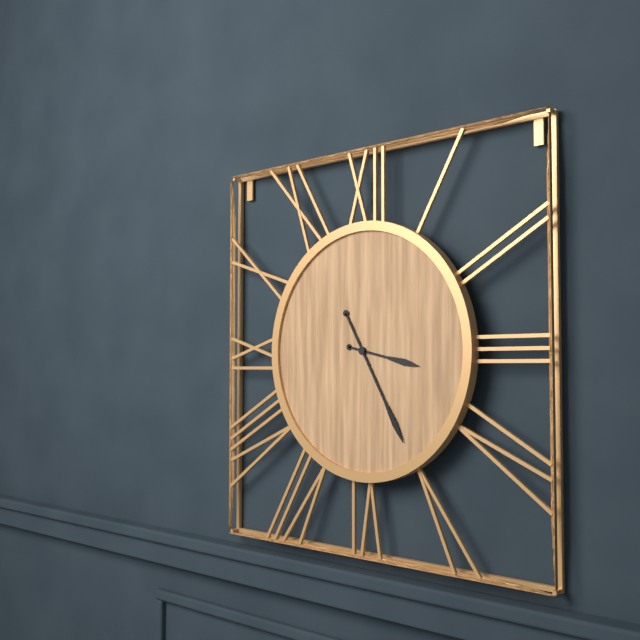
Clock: 3.25
